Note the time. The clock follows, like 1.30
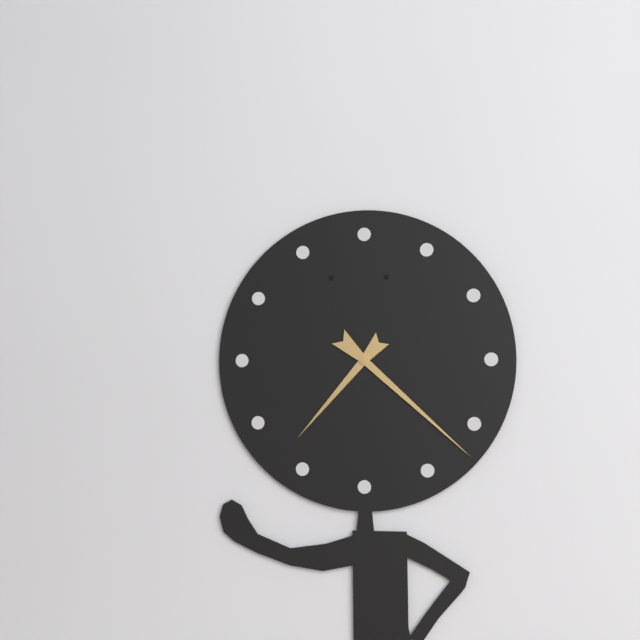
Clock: 7.22
